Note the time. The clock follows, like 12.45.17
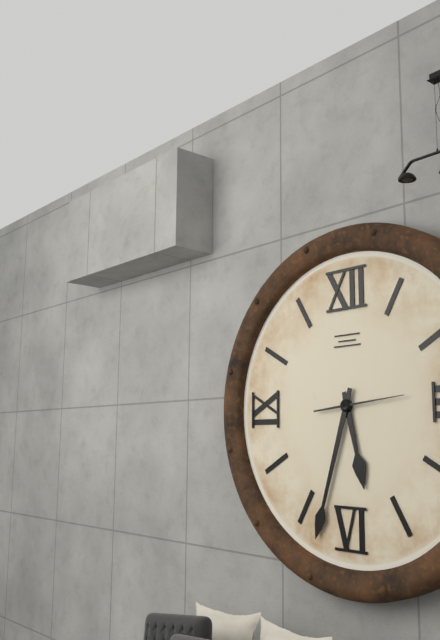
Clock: 5.33.14
